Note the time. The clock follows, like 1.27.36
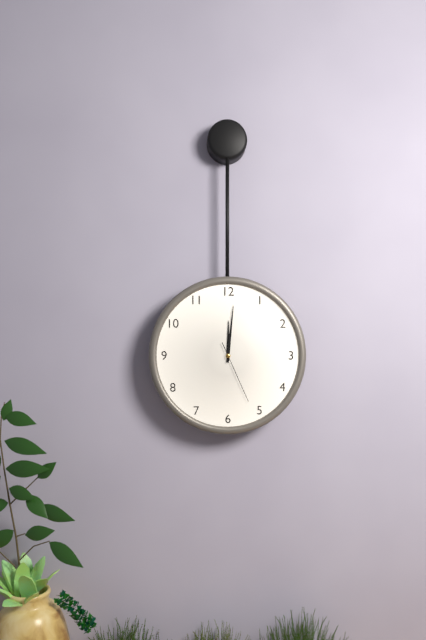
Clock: 12.01.26
